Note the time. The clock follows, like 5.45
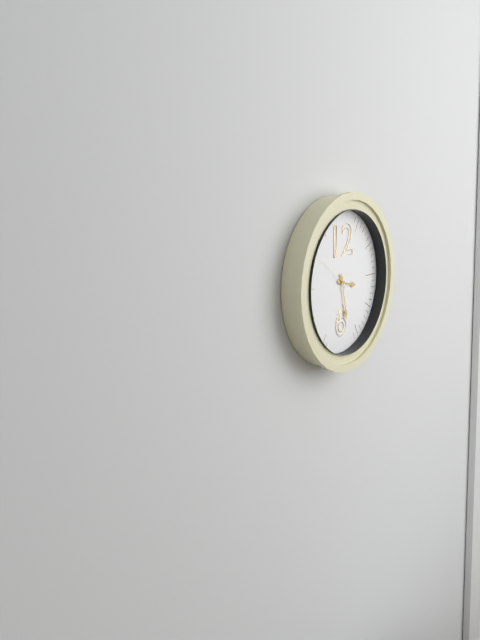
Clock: 3.28
